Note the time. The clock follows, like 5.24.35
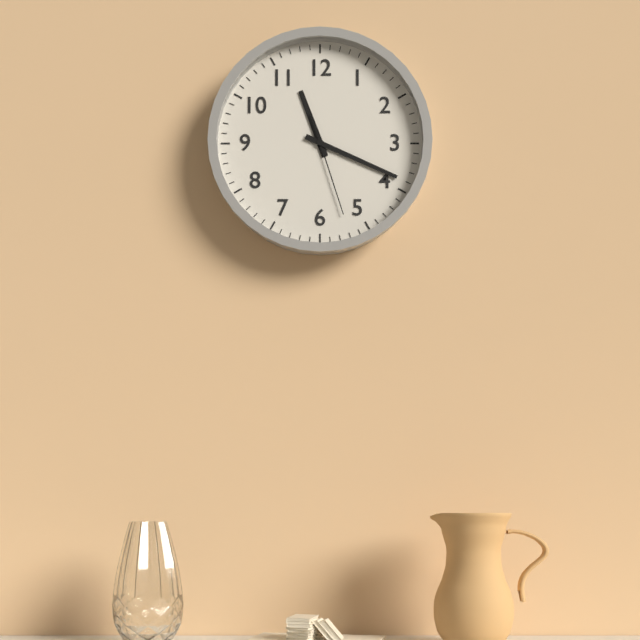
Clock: 11.19.27
